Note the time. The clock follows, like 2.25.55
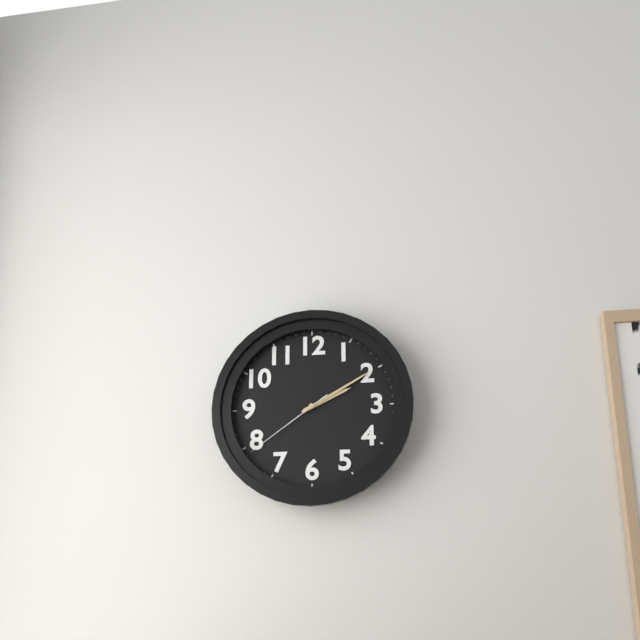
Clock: 2.10.39
